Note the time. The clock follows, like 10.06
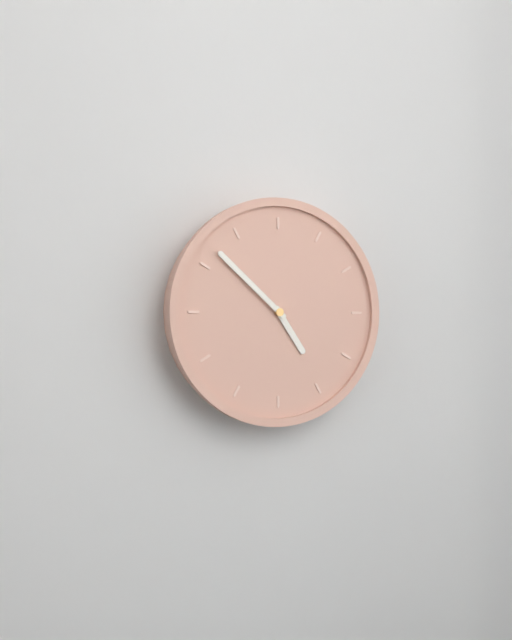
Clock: 4.52
